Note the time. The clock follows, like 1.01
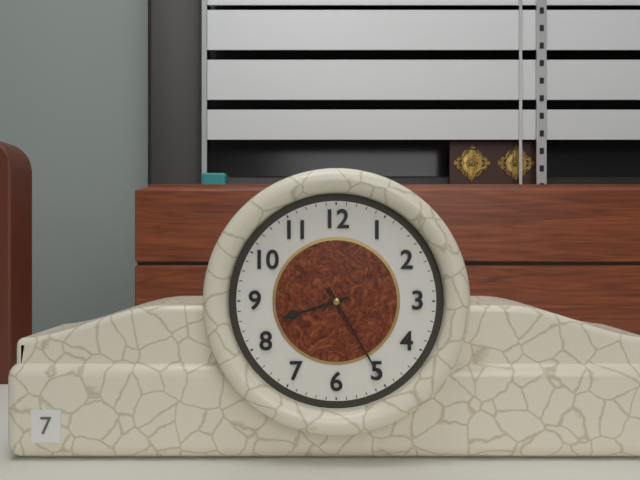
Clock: 8.25
